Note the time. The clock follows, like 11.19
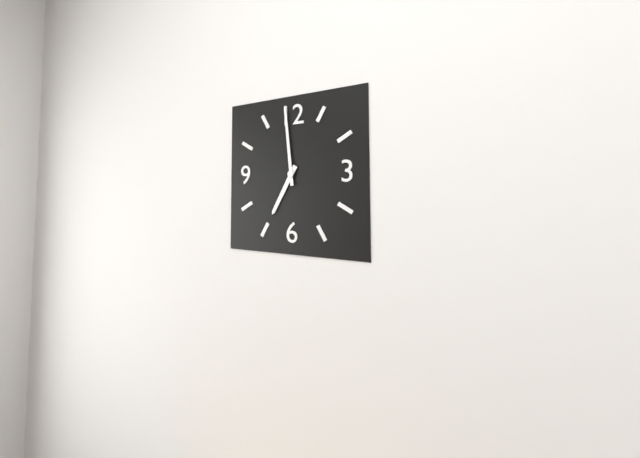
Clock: 6.59
